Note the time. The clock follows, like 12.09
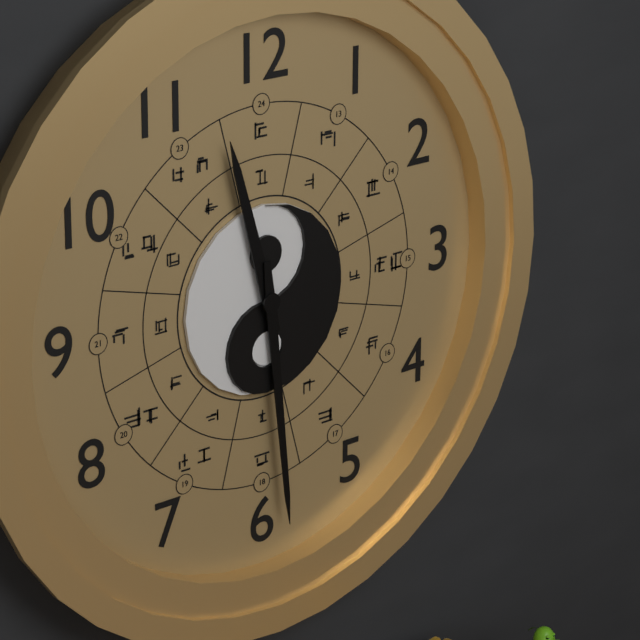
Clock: 11.29
